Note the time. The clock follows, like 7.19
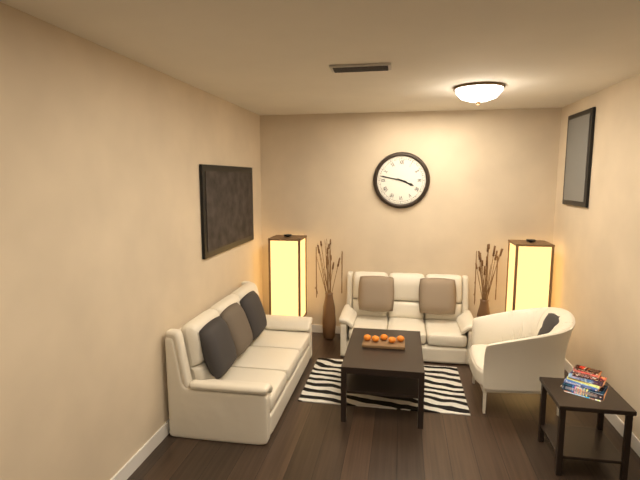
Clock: 3.47
